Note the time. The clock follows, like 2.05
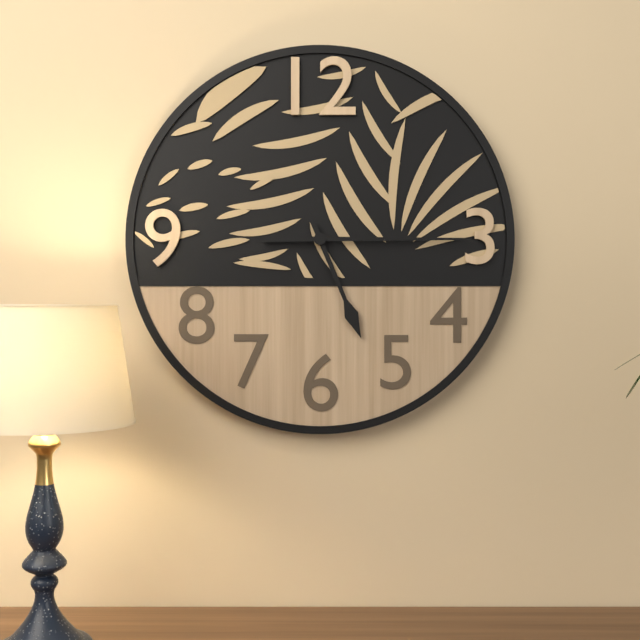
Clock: 5.15
